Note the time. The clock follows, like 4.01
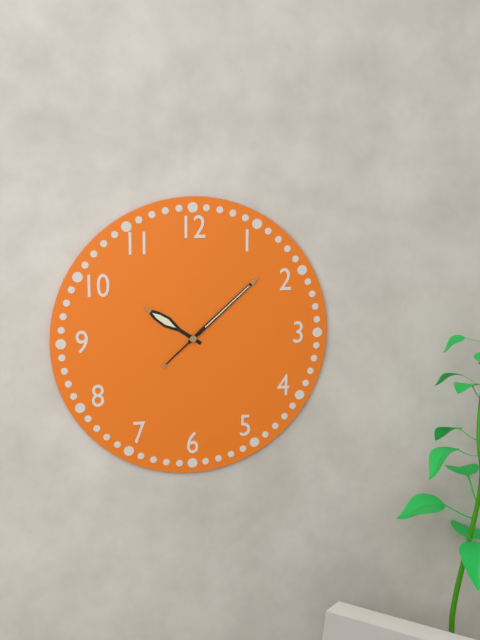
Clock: 10.08
